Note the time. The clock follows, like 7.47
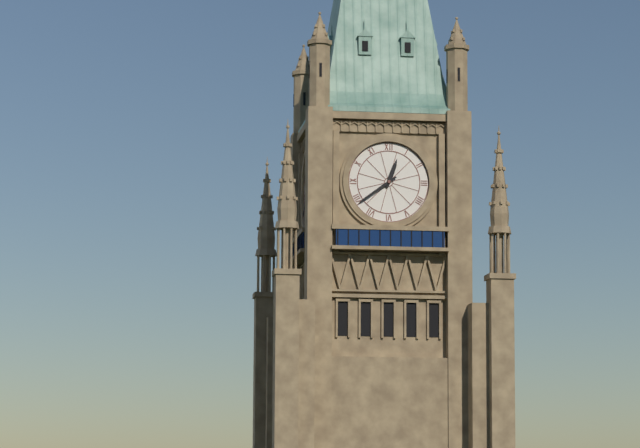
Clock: 12.39
